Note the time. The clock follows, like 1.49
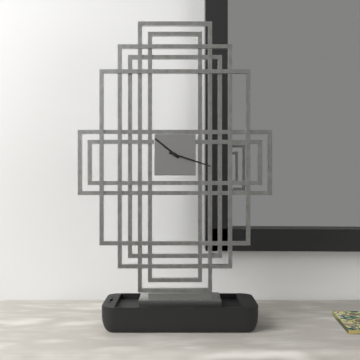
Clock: 10.18
